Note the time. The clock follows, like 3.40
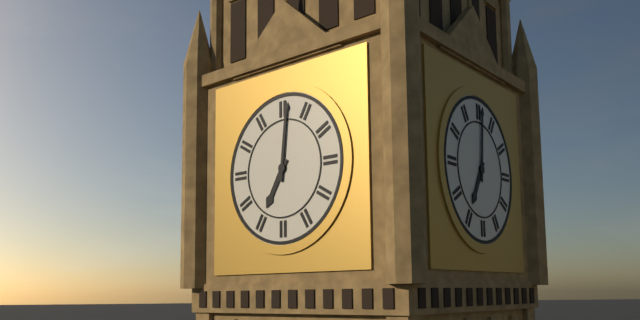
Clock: 7.01
